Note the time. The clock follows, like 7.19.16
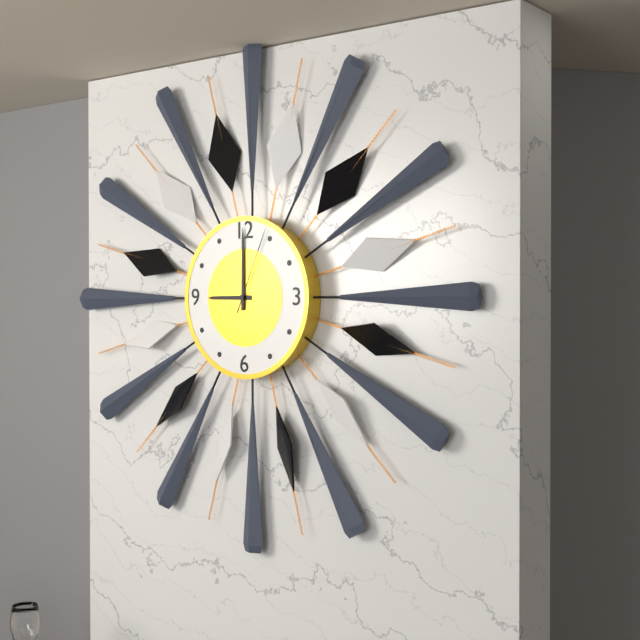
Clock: 9.00.04
